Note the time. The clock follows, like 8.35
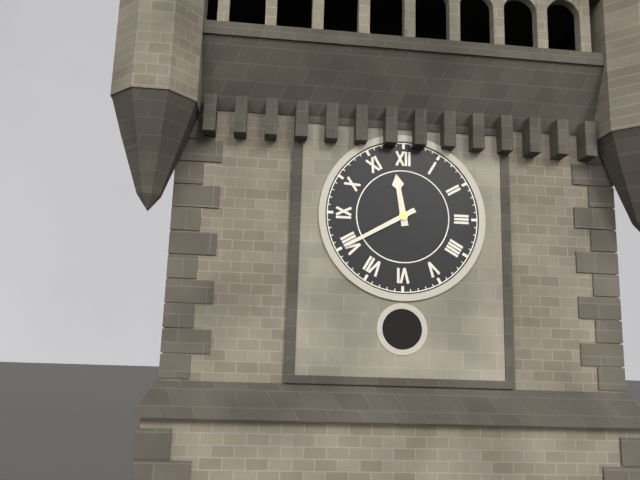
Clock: 11.40
